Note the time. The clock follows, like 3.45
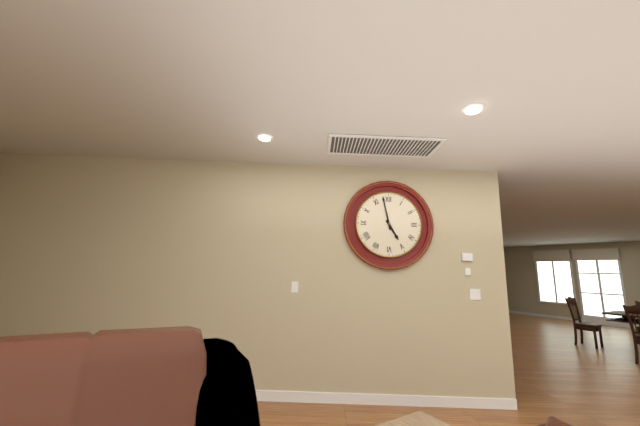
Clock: 4.58
